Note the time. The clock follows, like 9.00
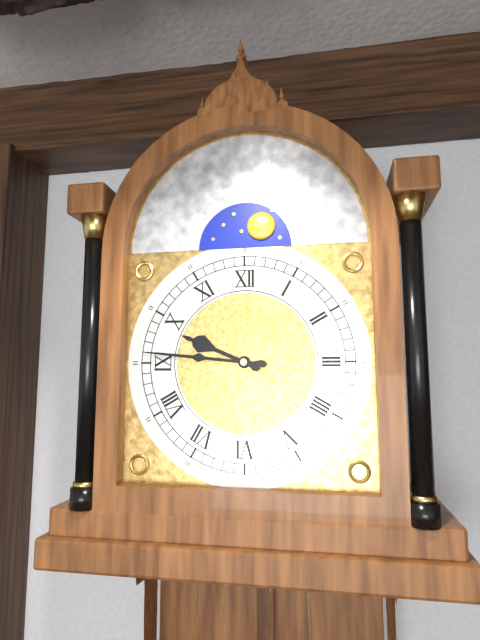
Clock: 9.46
